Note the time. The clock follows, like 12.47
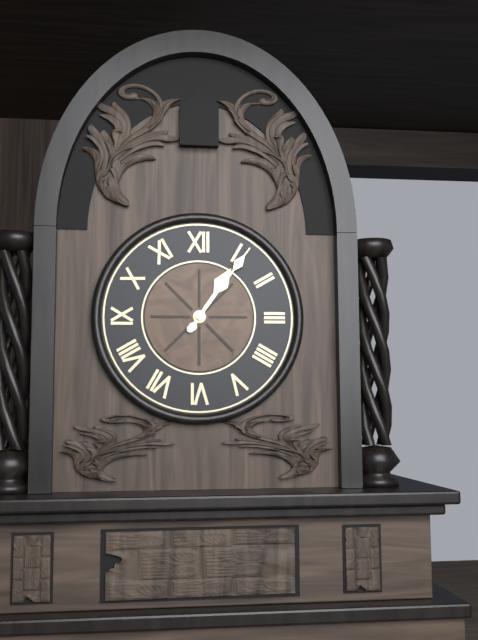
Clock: 1.06
